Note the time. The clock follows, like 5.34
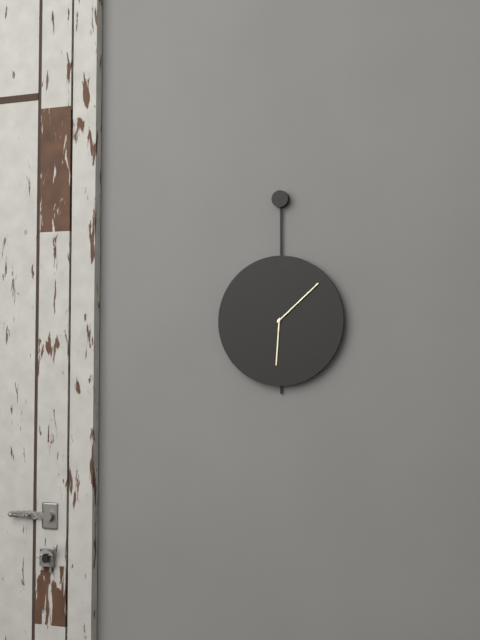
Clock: 6.08
